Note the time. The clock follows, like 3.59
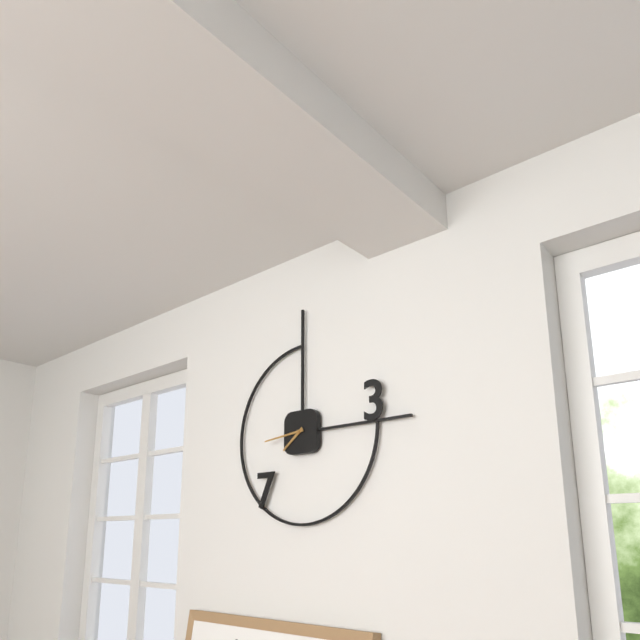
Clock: 7.44
